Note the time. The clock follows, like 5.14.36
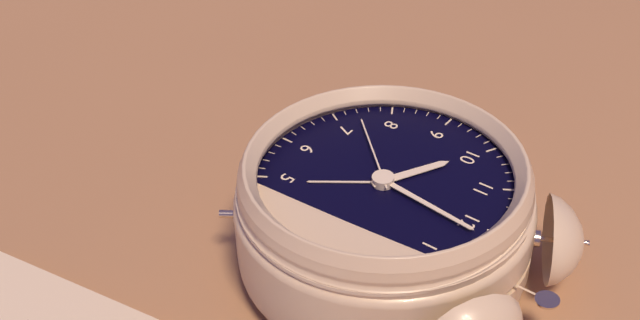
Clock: 10.01.37
